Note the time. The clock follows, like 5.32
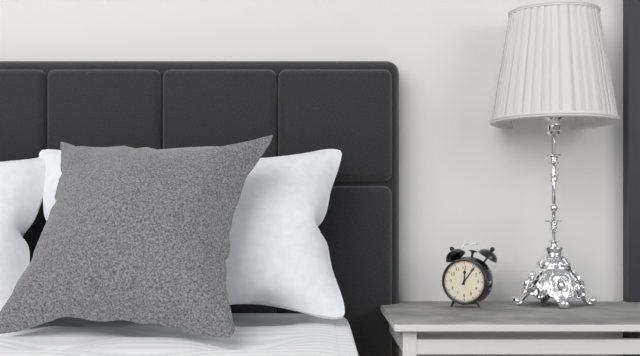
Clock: 12.06
